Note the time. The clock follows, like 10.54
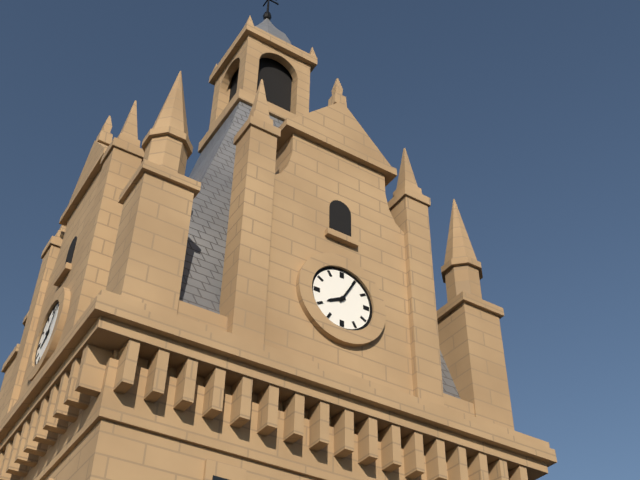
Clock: 8.05
